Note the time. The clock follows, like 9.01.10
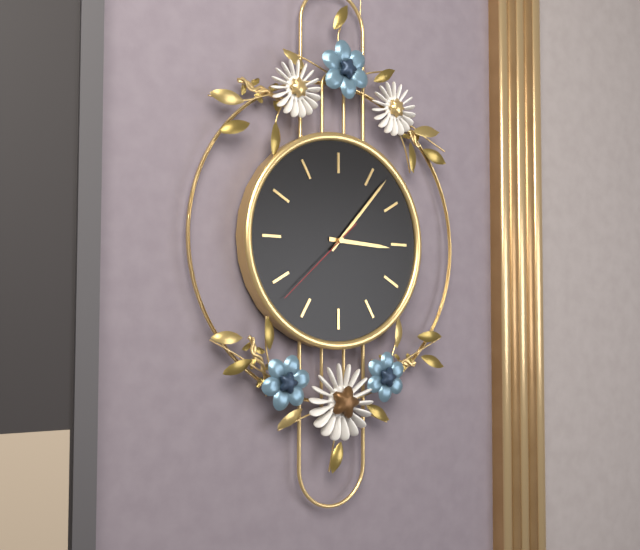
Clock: 3.07.38
